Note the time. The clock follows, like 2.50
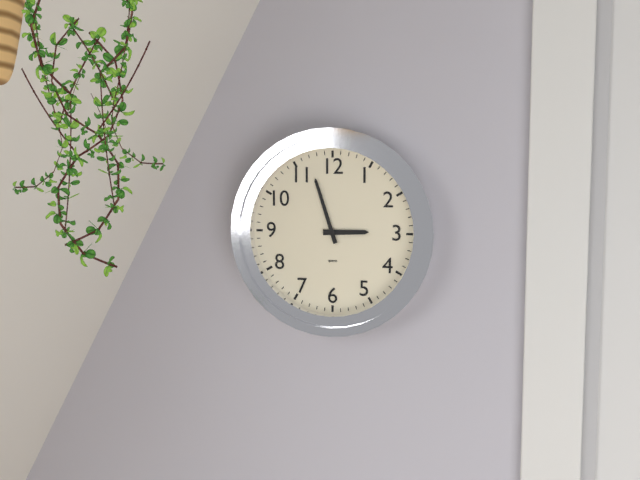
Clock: 2.57
